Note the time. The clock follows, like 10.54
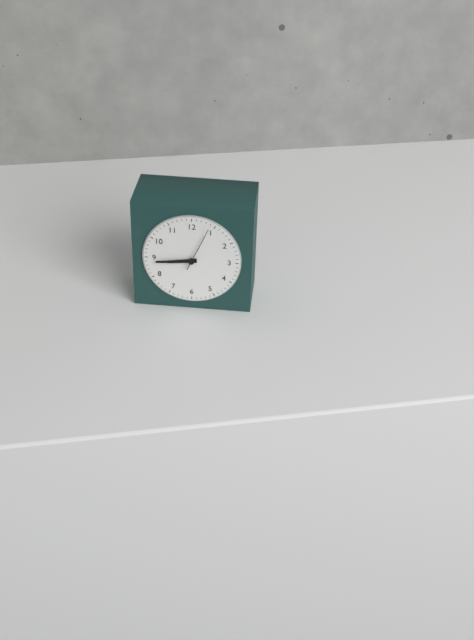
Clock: 8.44
